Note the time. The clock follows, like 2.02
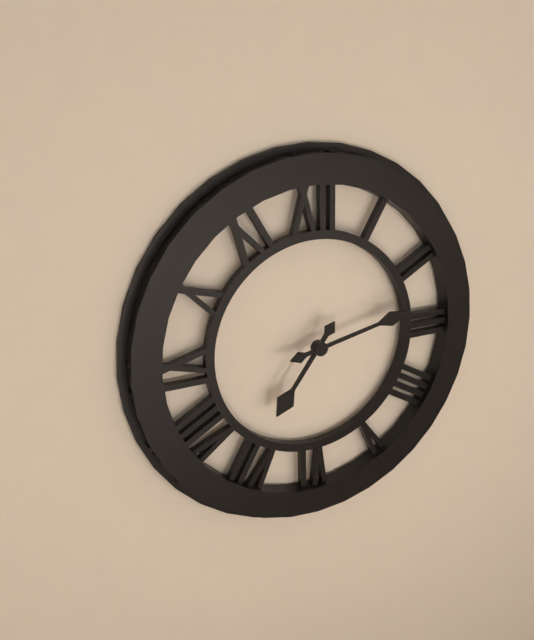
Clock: 7.13
